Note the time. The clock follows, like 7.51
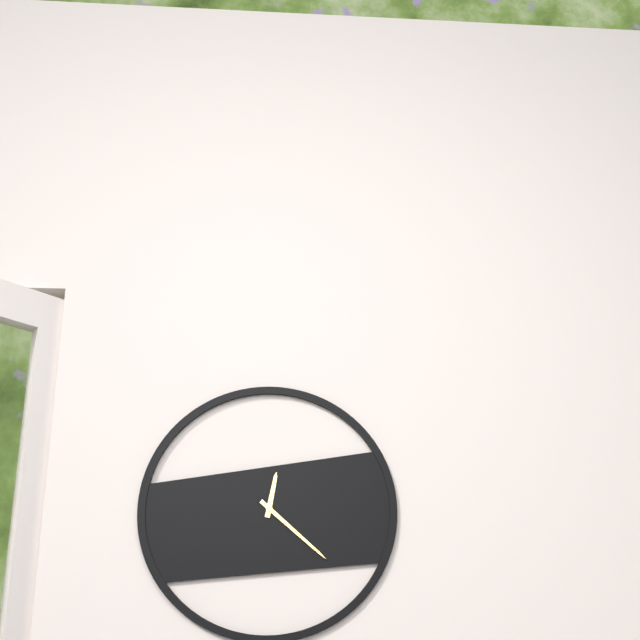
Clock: 12.22
